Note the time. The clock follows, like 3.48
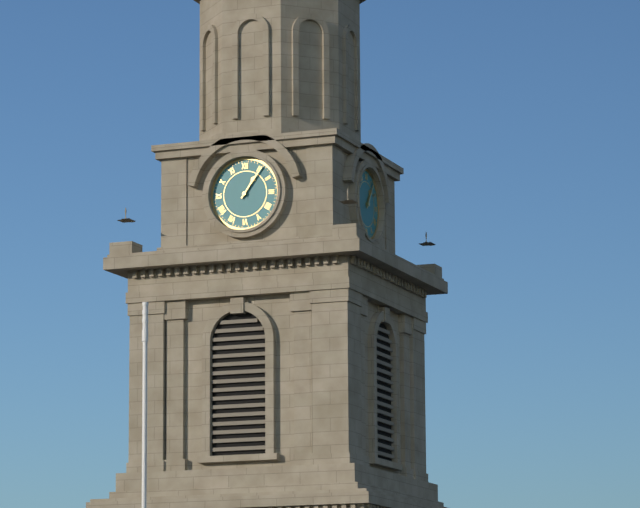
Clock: 1.06
